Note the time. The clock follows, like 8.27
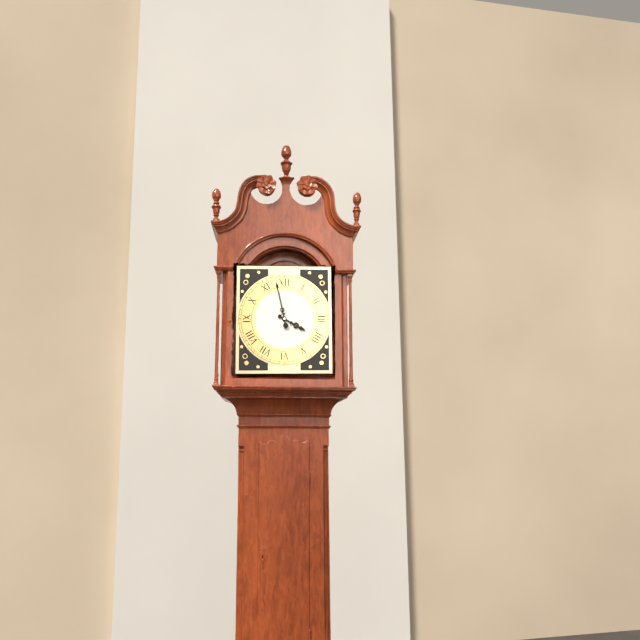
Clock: 3.58
